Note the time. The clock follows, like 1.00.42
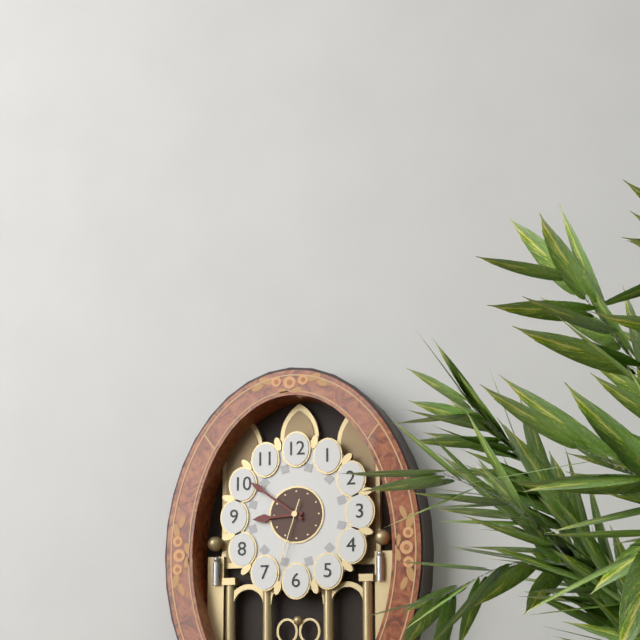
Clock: 8.51.33
